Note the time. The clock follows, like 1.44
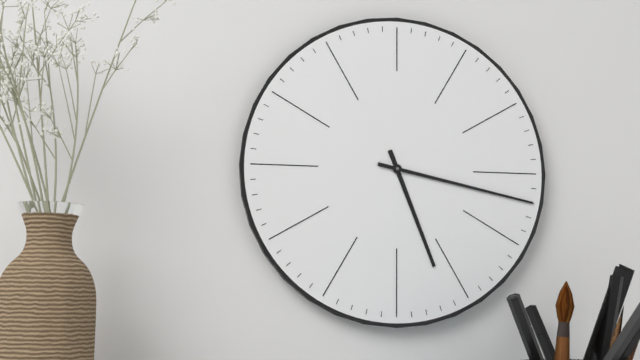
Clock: 5.17
